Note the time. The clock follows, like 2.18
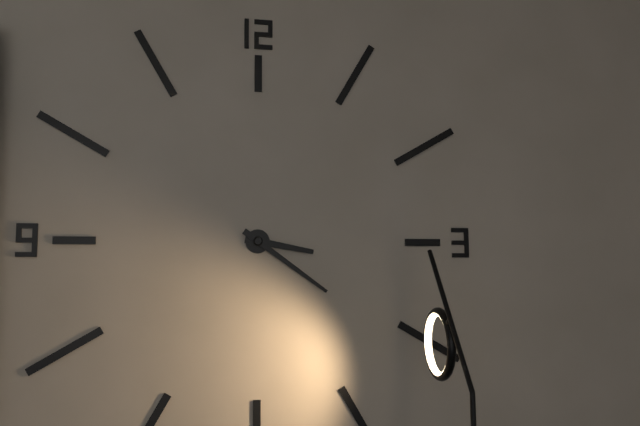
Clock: 3.21
